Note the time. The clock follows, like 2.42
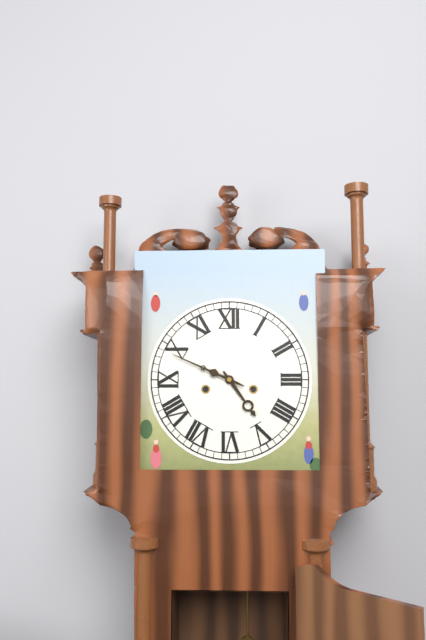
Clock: 4.49
